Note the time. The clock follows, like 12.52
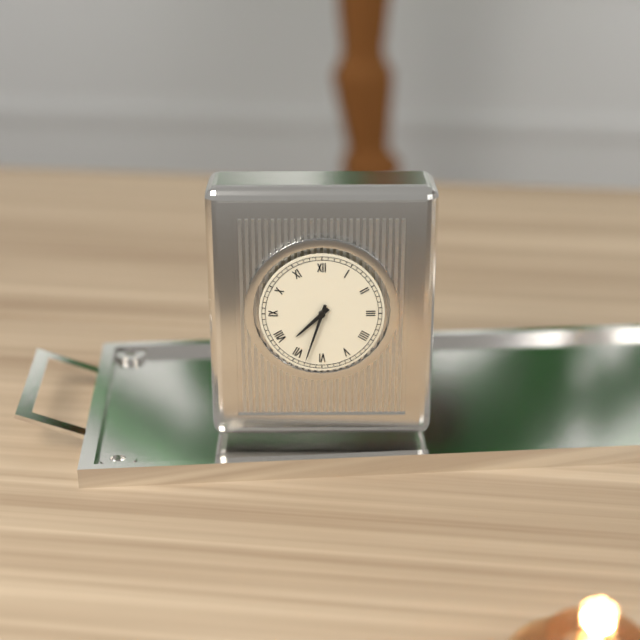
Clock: 7.33
